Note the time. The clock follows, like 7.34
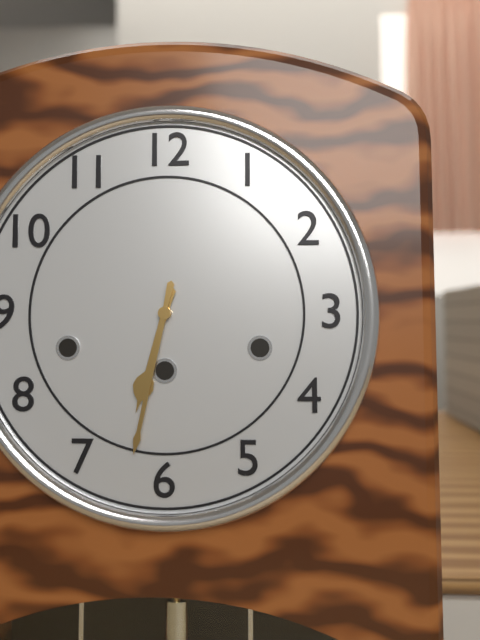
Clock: 6.32
